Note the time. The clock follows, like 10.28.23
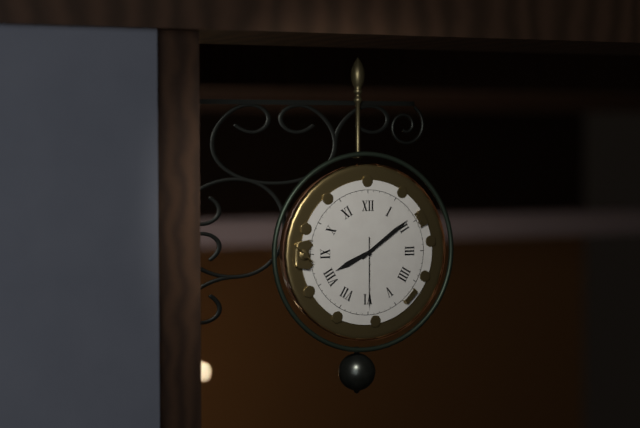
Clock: 8.09.30
